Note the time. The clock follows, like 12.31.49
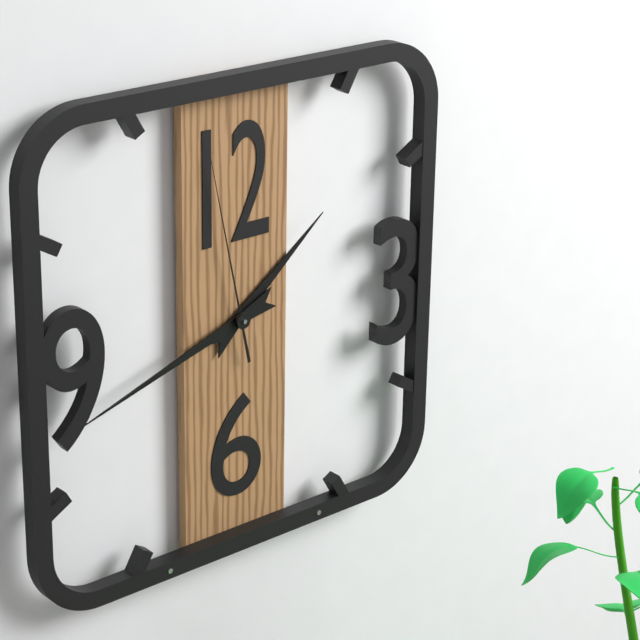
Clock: 1.42.58
